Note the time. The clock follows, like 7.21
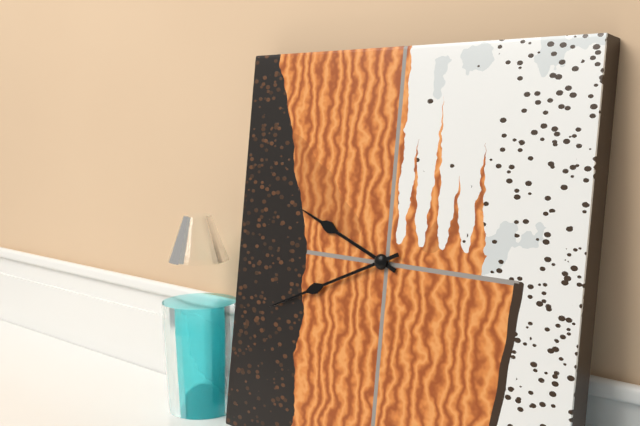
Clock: 9.41
